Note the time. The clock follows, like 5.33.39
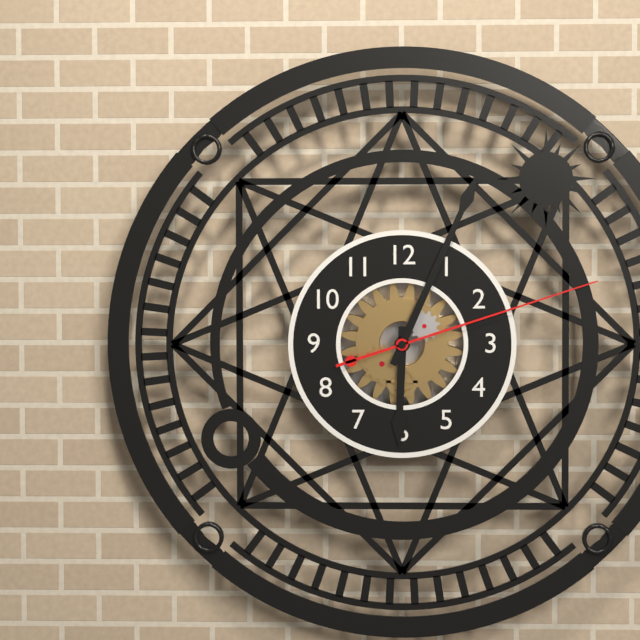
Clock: 6.04.12
